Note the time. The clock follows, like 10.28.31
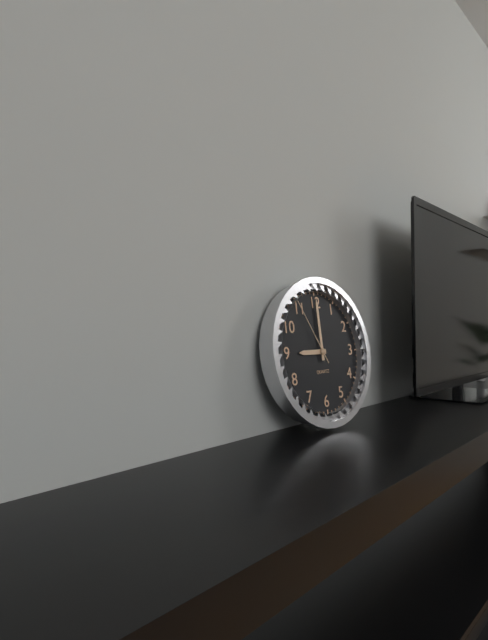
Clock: 9.00.55
